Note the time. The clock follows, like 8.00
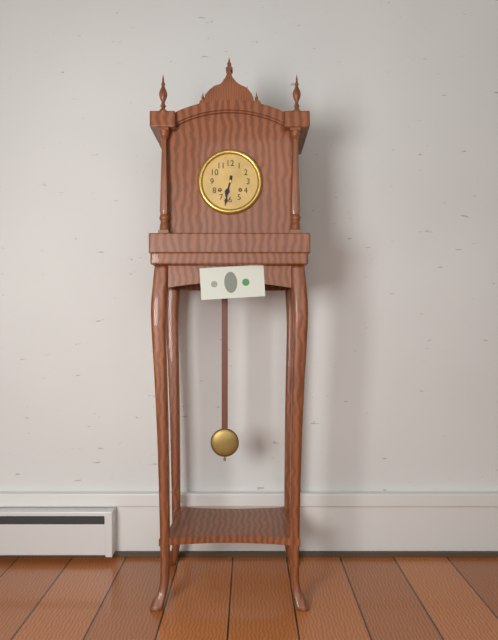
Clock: 6.32
